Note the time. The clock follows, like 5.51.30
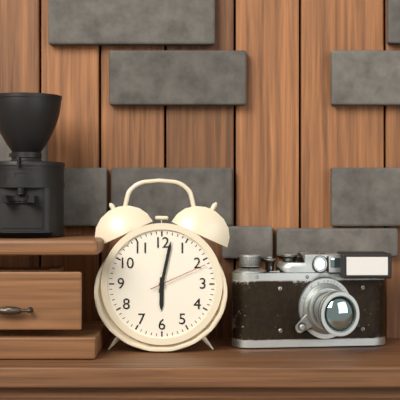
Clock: 6.02.11
